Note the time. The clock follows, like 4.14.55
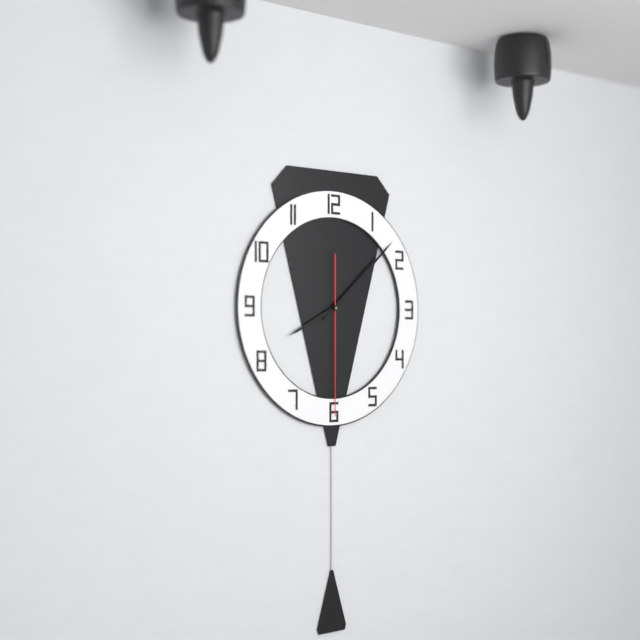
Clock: 8.08.30
